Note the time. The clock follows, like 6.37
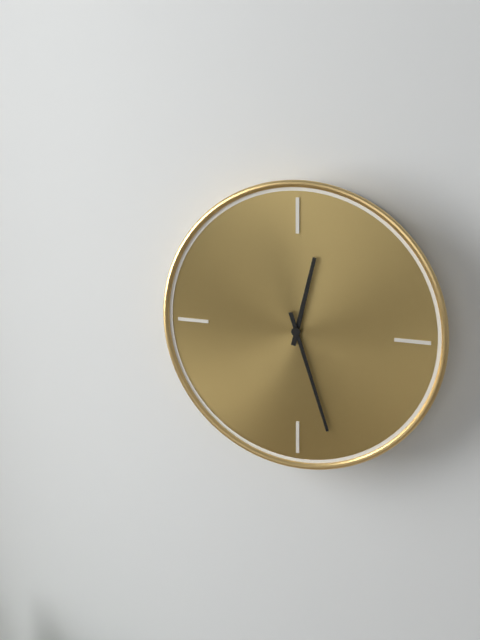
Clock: 12.27
